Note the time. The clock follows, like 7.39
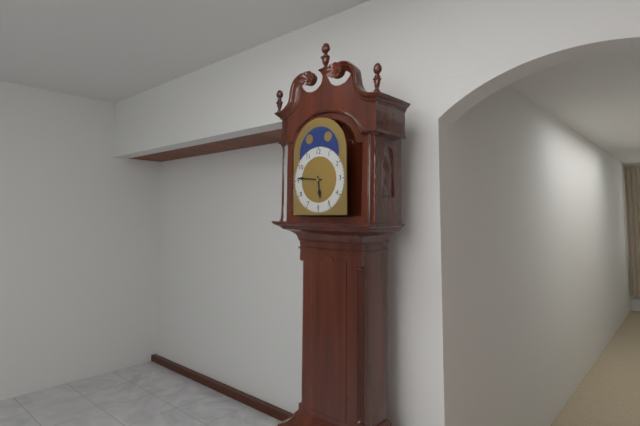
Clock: 5.46
